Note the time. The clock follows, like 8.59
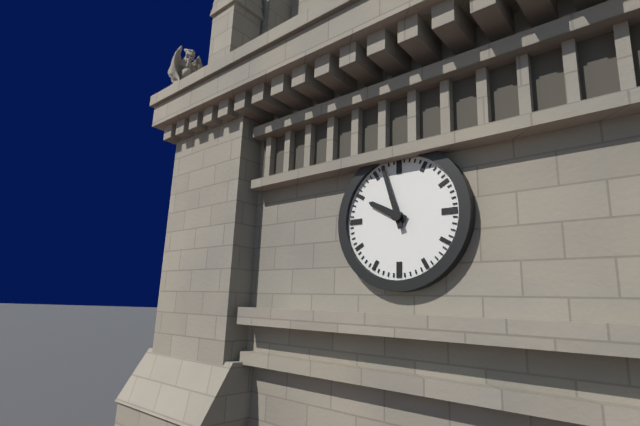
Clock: 9.57
